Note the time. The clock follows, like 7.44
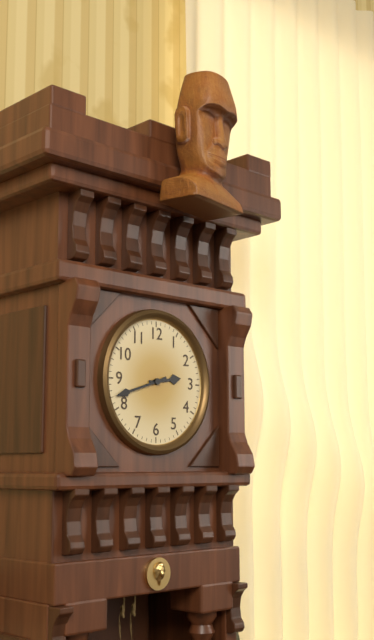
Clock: 2.42
